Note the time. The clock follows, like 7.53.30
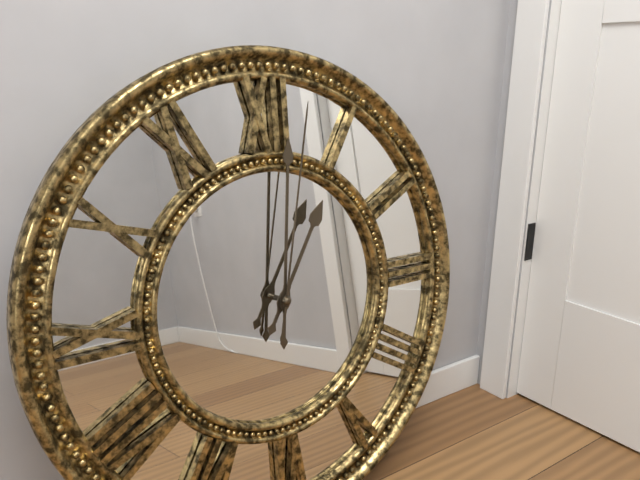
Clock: 1.01.02
